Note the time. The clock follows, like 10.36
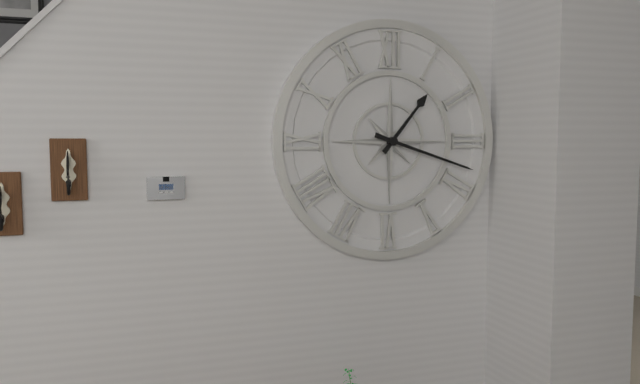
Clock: 1.18
